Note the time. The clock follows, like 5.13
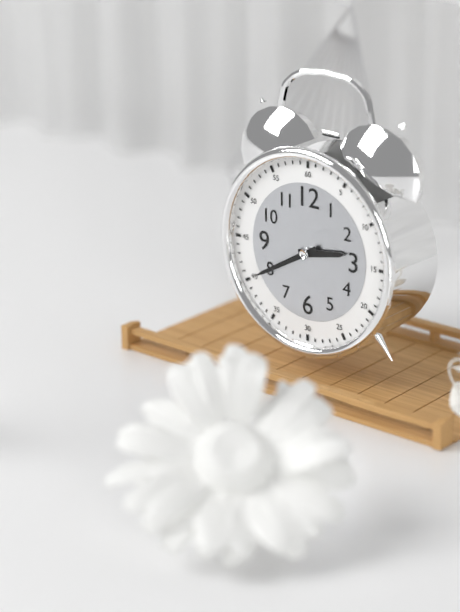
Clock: 2.40
